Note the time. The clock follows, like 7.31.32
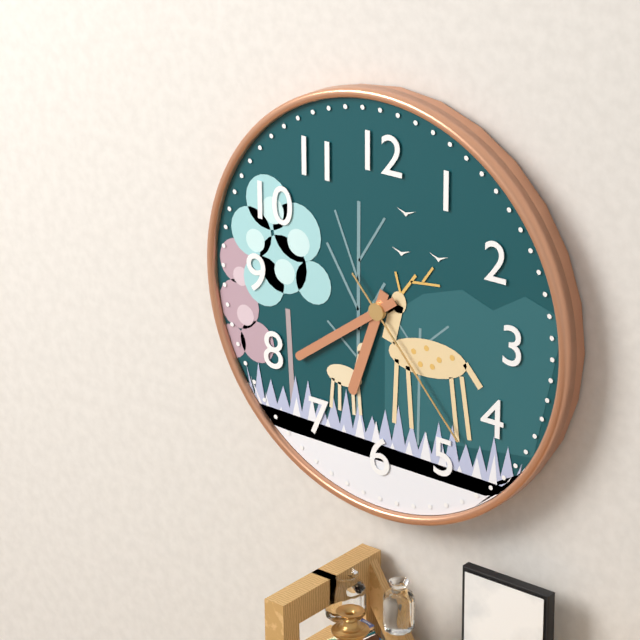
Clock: 6.39.23
